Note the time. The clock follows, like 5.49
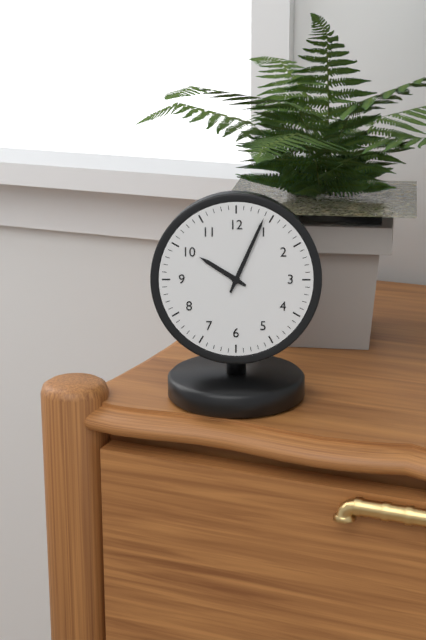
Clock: 10.04
